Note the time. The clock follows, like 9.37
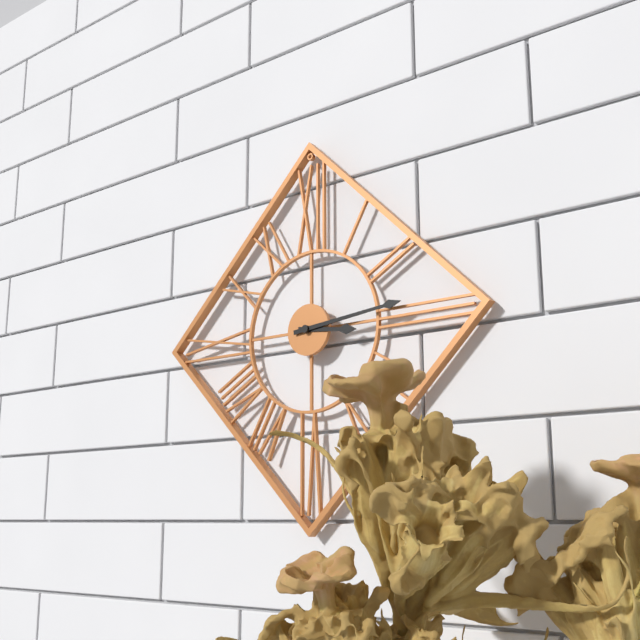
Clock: 3.14
